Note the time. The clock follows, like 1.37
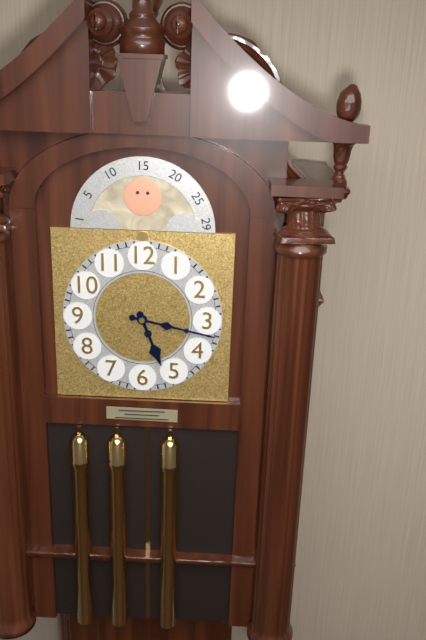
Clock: 5.17
